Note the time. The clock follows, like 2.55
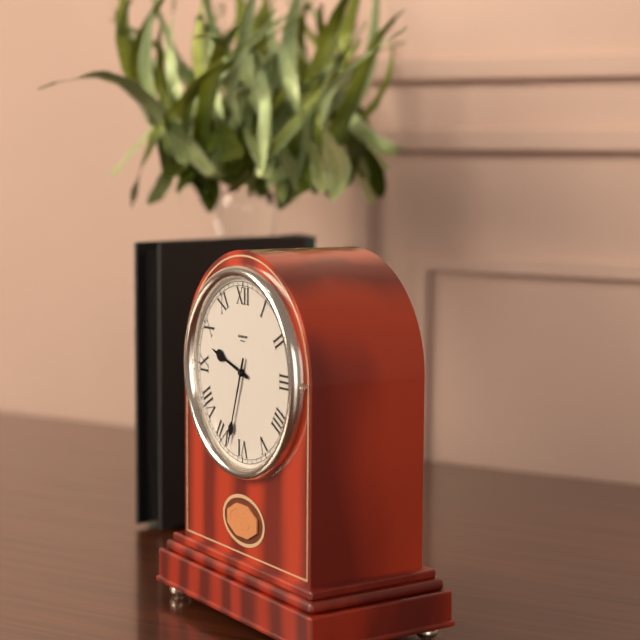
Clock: 9.33
